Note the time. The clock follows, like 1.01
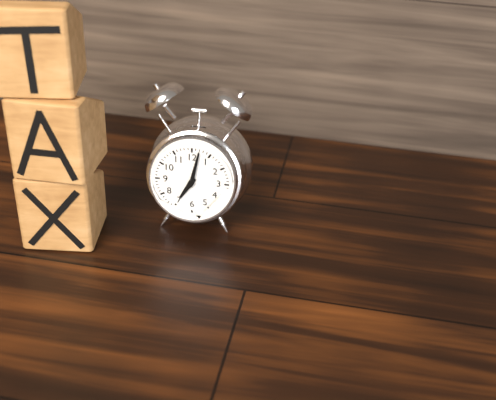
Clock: 7.02
